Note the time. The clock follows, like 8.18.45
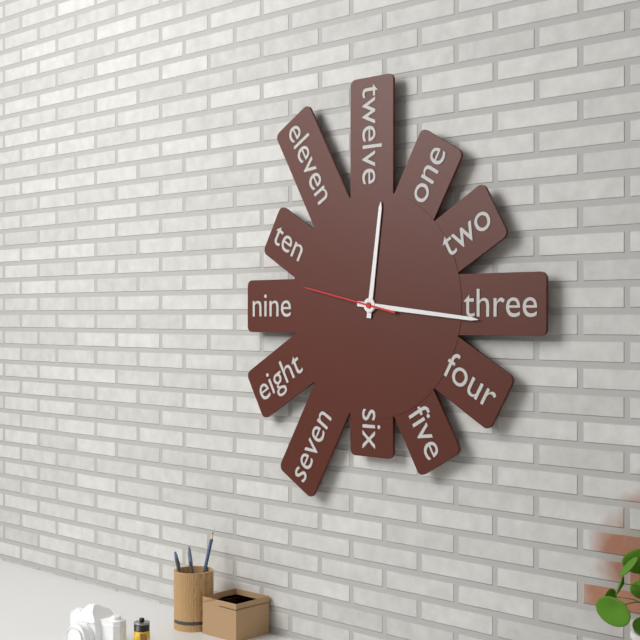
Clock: 12.16.47
